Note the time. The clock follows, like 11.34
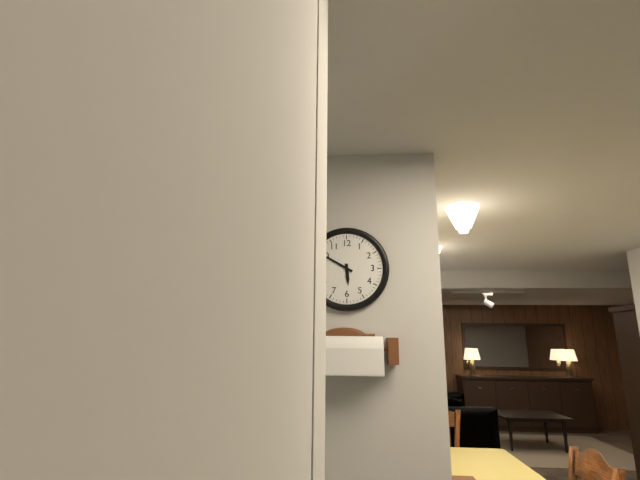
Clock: 5.50
